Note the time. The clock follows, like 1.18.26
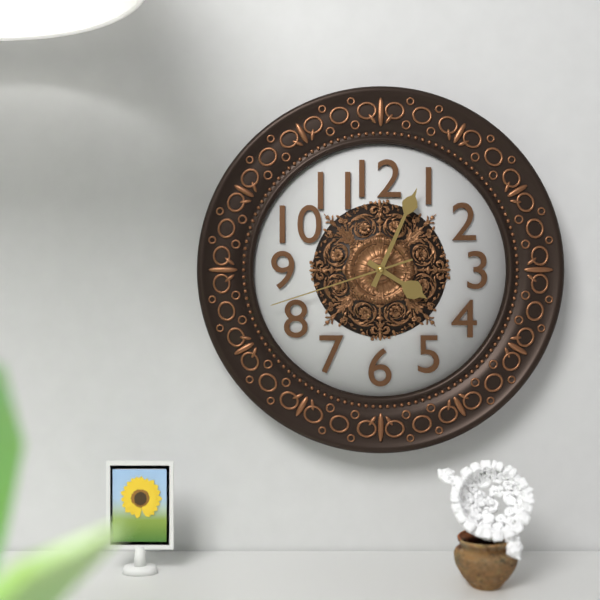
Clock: 4.04.42
